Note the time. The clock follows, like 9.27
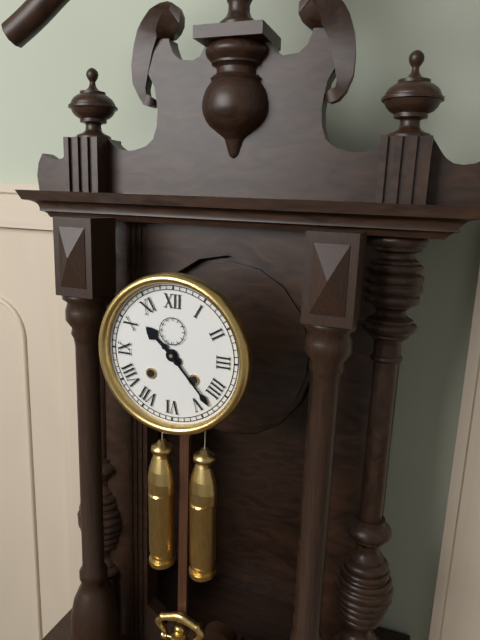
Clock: 10.23
